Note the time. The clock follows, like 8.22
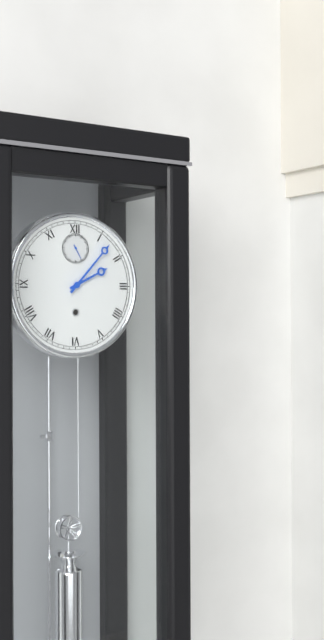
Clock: 2.07
